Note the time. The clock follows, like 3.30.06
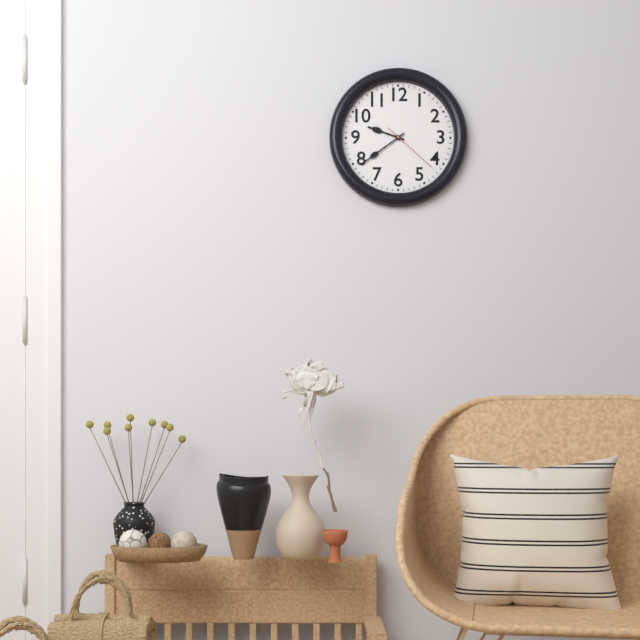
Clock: 9.39.22
